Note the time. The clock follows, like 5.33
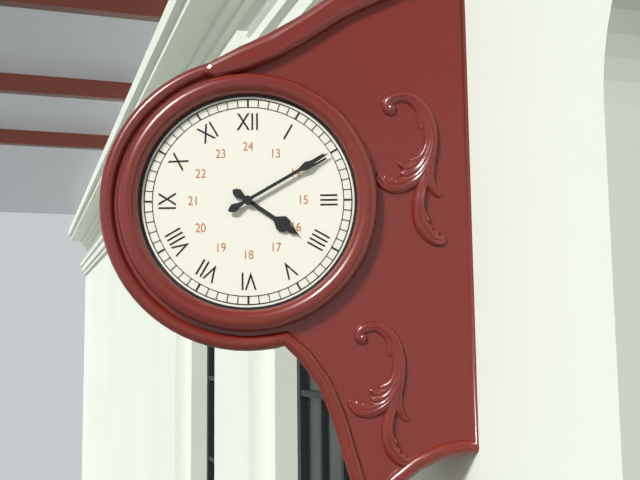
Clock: 4.10
